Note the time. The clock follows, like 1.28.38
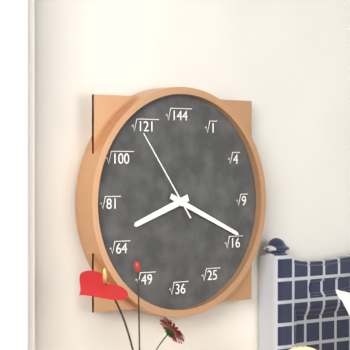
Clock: 8.19.54
